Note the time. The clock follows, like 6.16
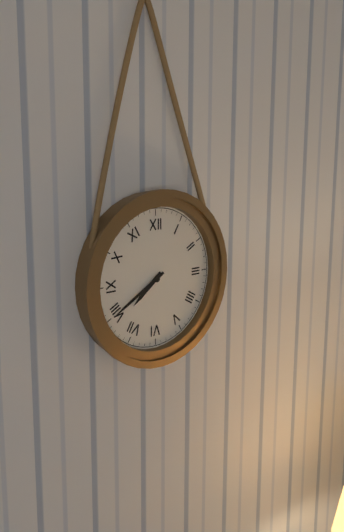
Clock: 7.40
